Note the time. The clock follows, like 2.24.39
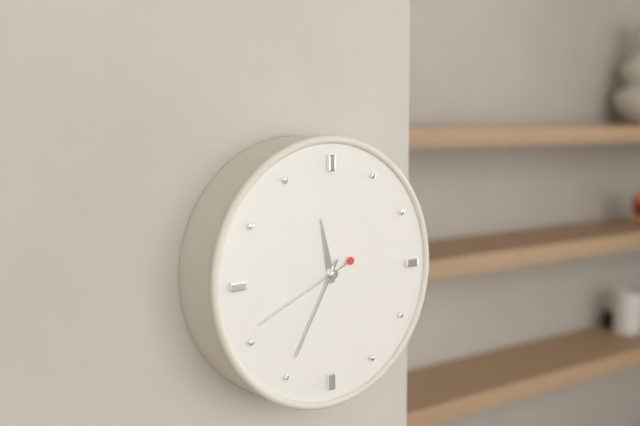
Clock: 11.35.41
